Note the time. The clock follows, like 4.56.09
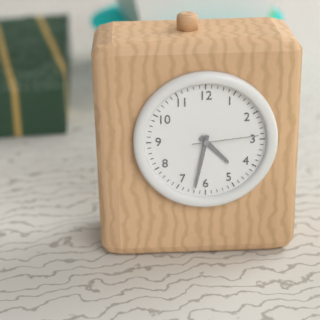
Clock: 4.32.14
